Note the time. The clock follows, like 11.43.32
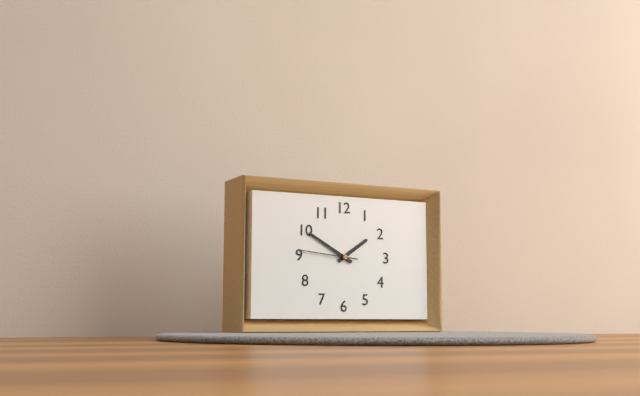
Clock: 1.50.46
